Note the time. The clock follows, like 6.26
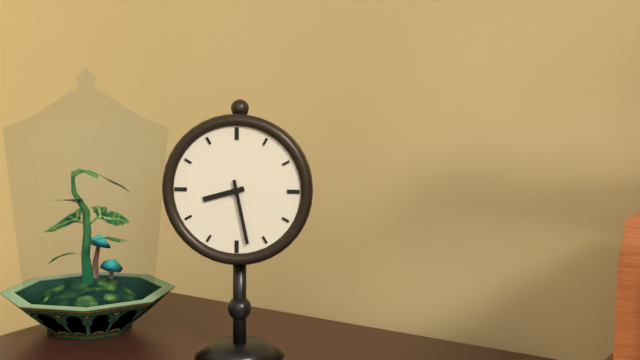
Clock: 8.28
